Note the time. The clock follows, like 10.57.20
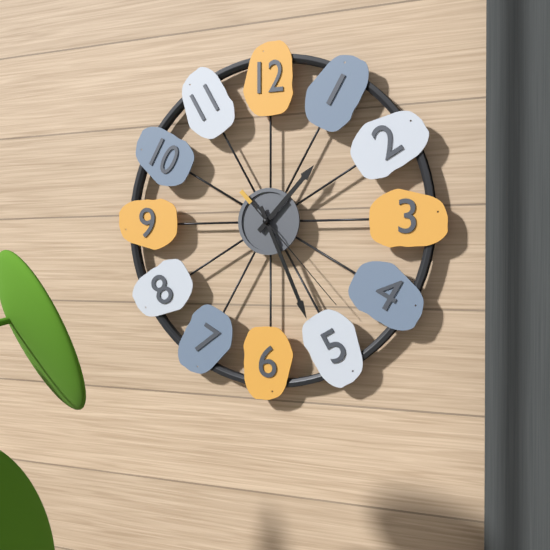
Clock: 1.26.23
